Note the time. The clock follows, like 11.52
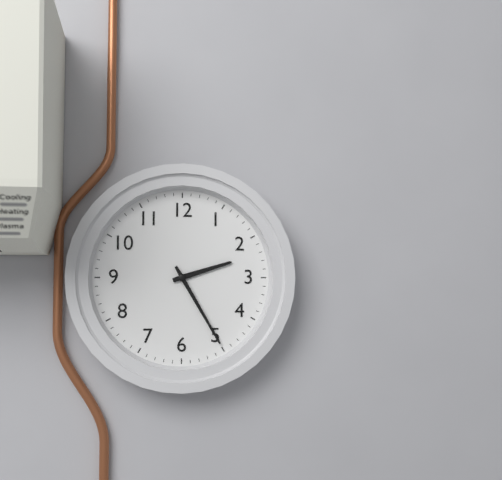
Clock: 2.25
